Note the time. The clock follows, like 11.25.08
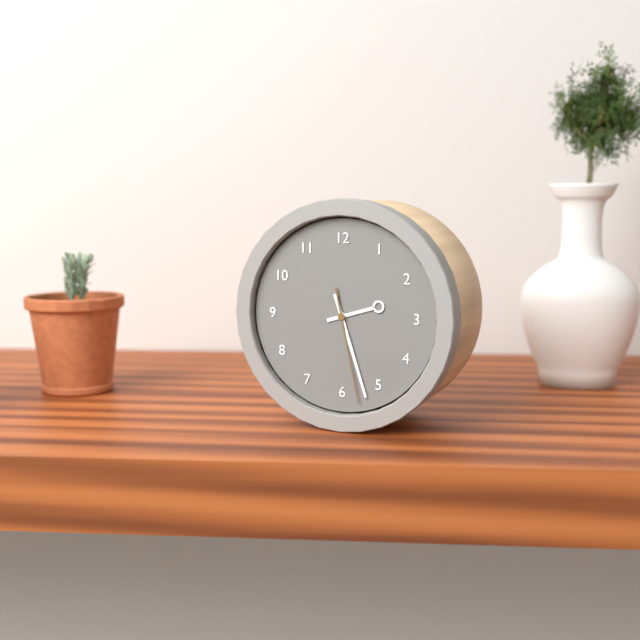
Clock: 2.27.28
